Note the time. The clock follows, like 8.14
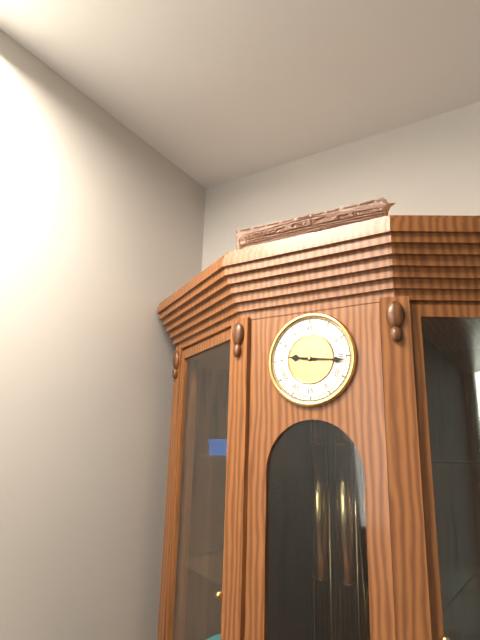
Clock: 9.16
